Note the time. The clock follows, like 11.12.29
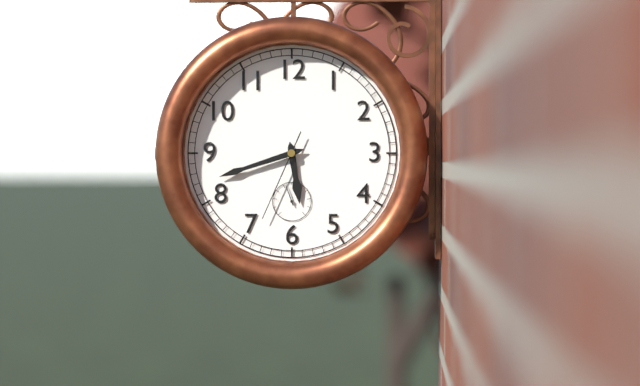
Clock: 5.42.34
